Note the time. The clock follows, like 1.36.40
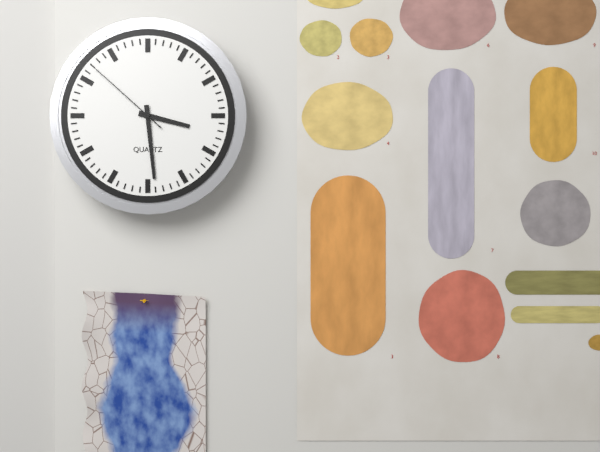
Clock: 3.29.52
